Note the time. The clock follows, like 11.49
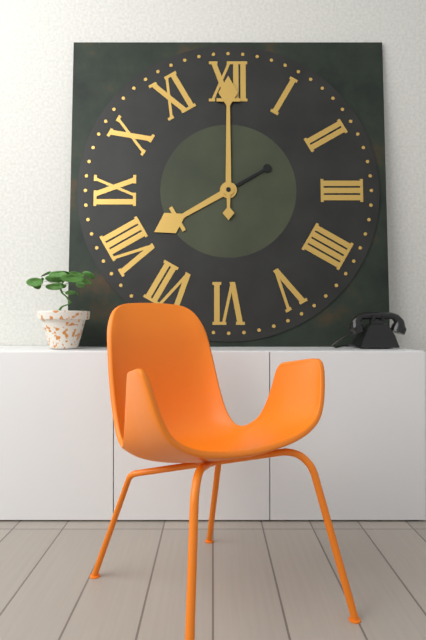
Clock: 8.00
